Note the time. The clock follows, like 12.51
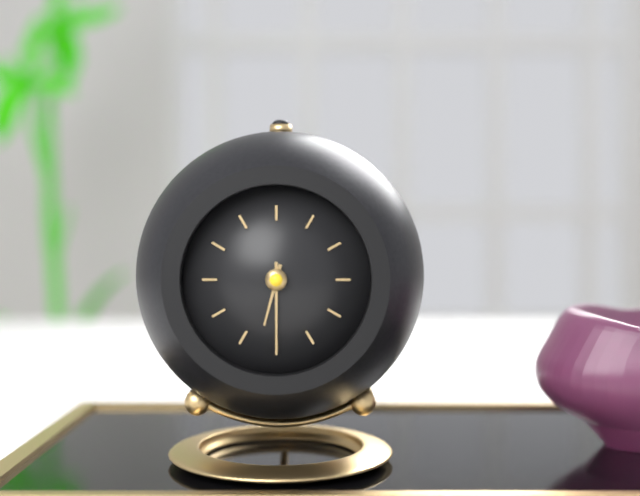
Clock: 6.30
